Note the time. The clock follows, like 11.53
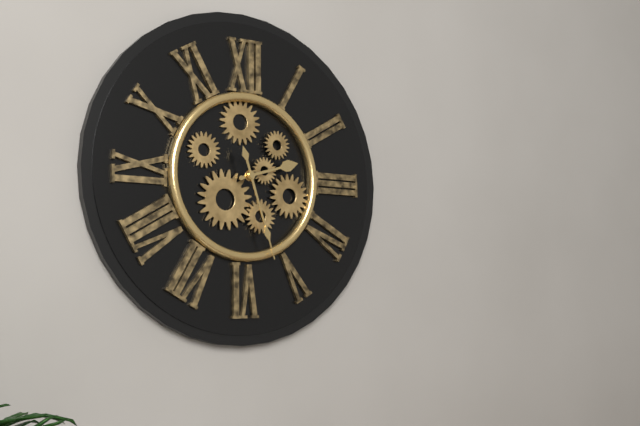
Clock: 2.27
